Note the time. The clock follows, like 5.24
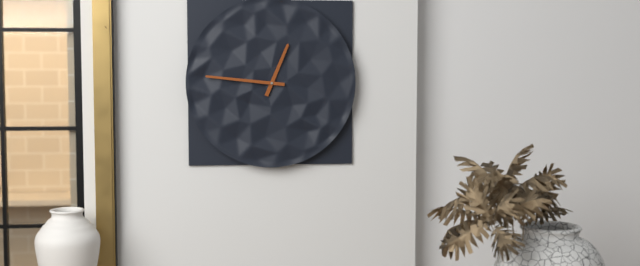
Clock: 12.46
